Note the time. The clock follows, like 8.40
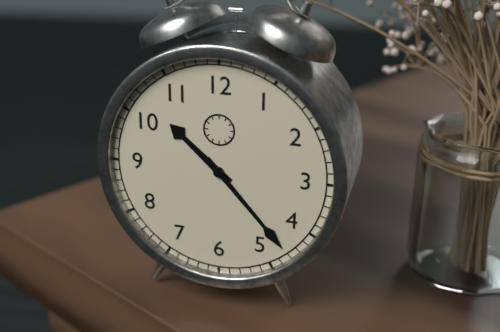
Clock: 10.23
